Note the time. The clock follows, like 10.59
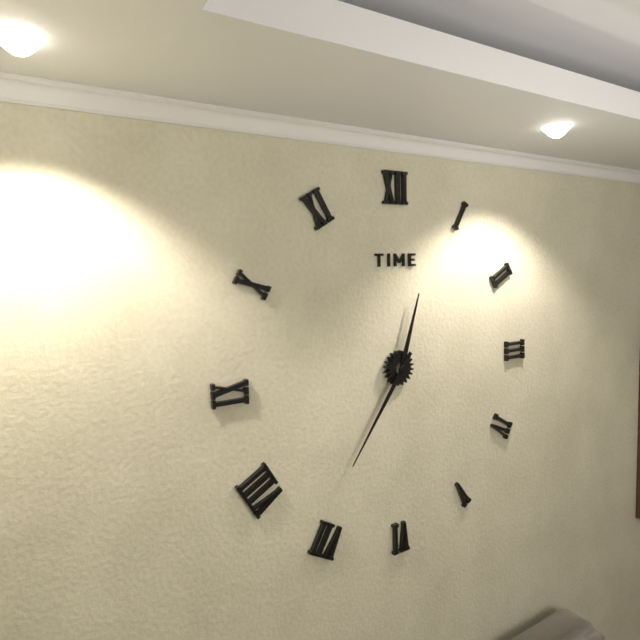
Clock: 12.36
